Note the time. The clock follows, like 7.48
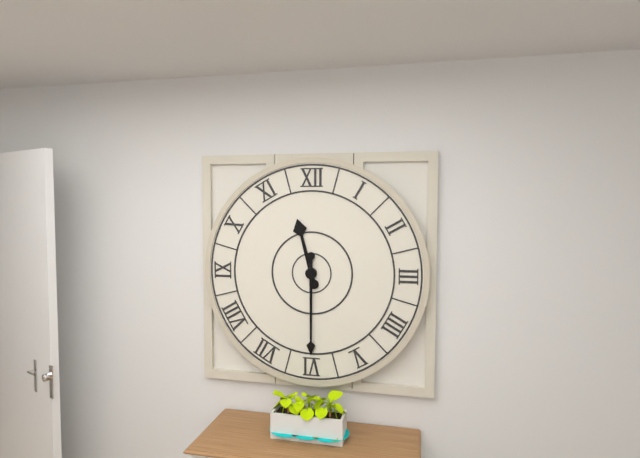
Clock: 11.30
